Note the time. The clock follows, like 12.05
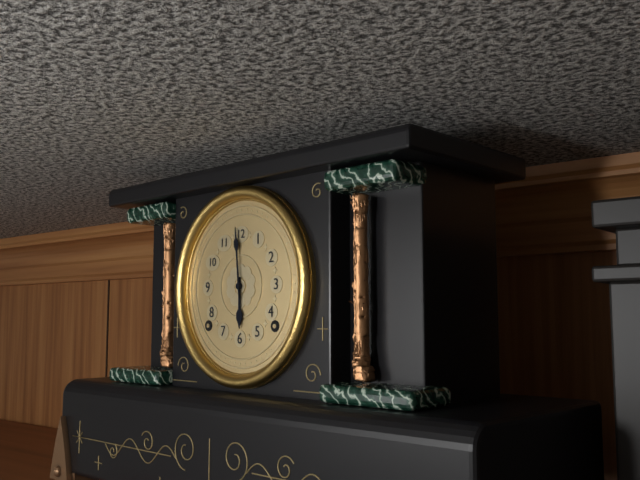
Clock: 5.59
